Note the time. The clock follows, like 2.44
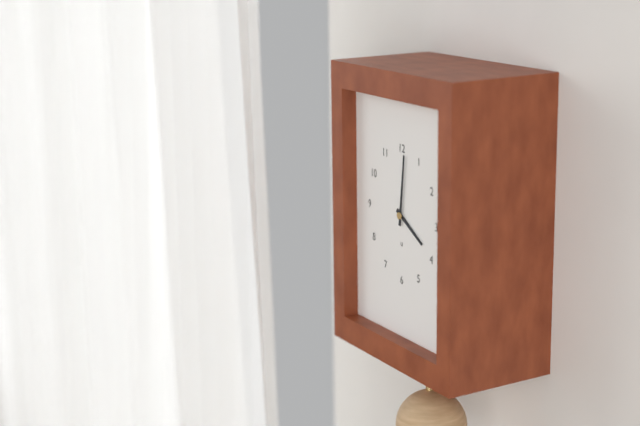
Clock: 4.01
